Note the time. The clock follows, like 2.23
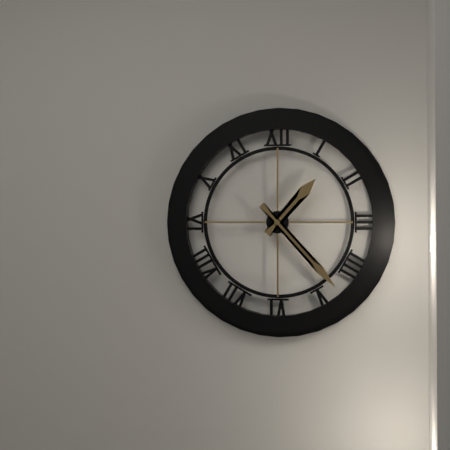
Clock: 1.23
